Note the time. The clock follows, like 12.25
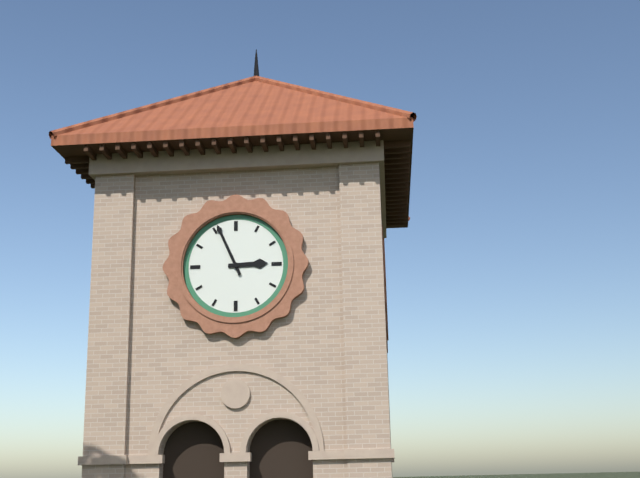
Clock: 2.56
